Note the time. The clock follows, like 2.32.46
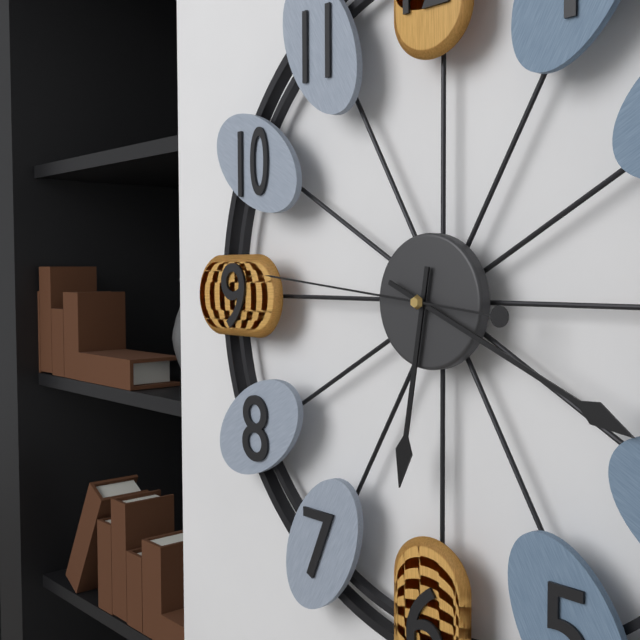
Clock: 6.19.46
